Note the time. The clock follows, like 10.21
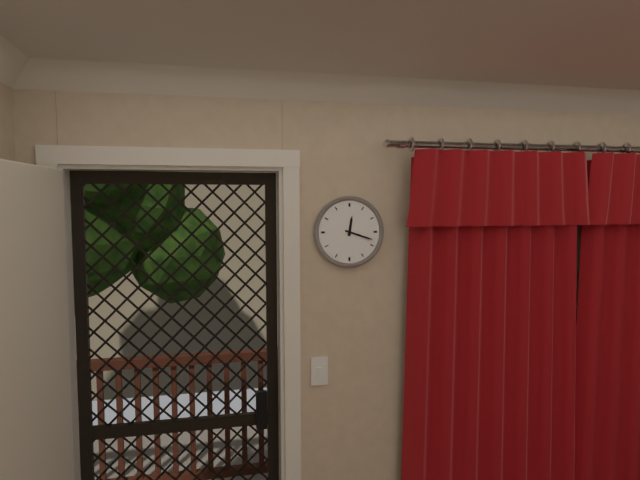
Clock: 12.18
